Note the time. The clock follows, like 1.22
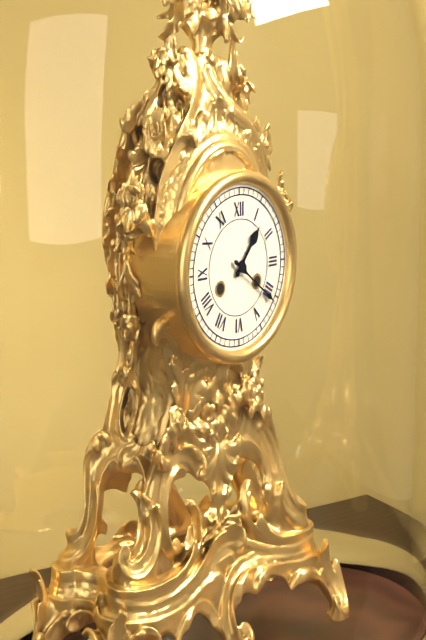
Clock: 1.21
